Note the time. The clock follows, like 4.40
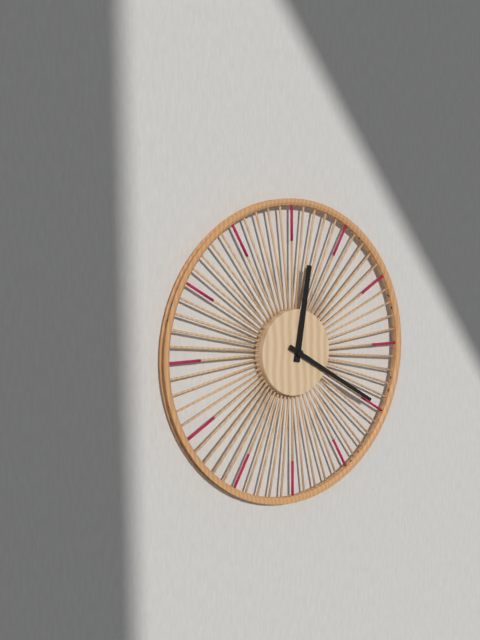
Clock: 12.20
